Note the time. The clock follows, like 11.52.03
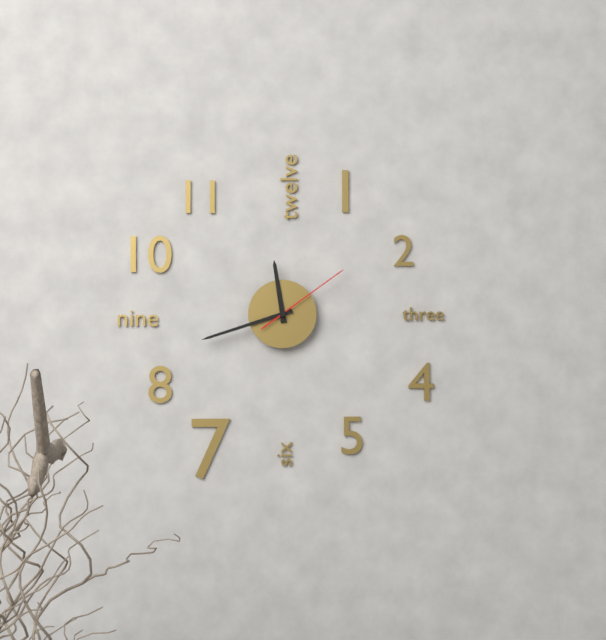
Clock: 11.42.09
